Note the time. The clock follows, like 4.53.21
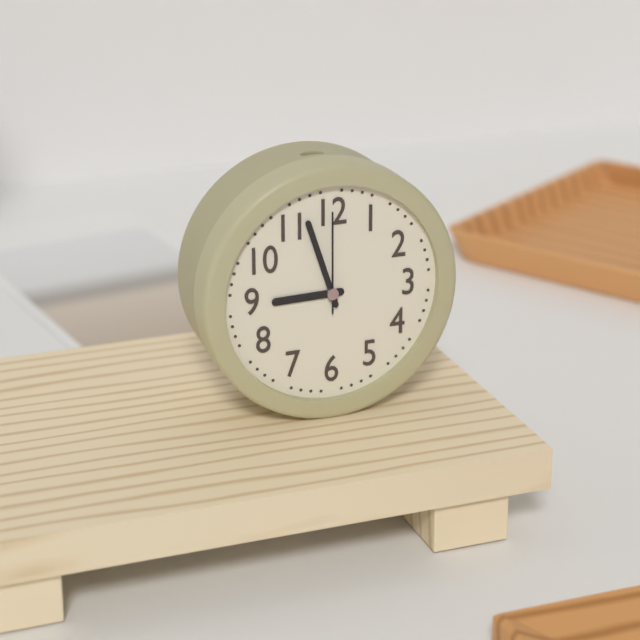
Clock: 8.57.00
